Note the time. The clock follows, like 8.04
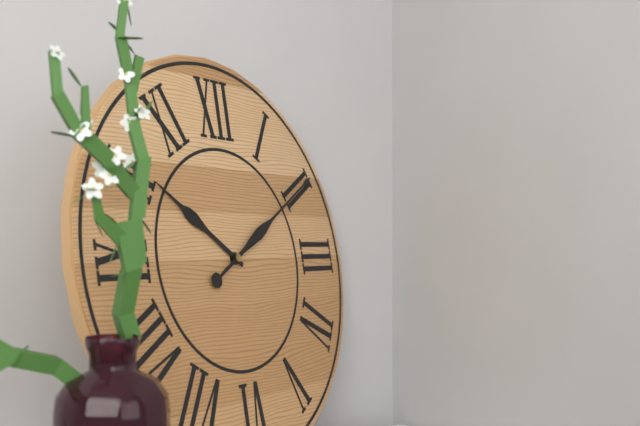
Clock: 10.10
